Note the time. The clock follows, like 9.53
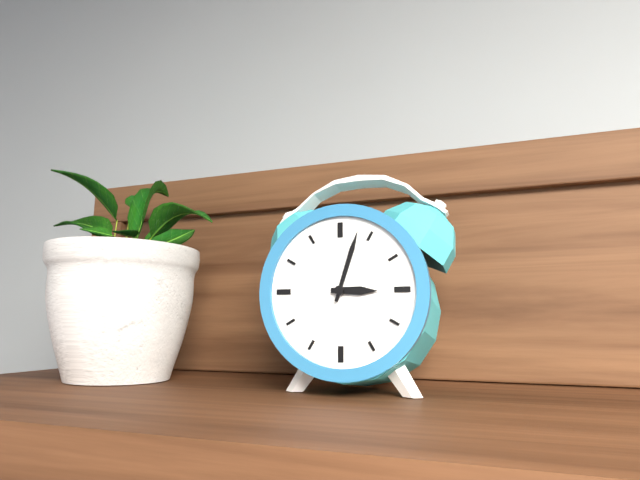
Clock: 3.03
